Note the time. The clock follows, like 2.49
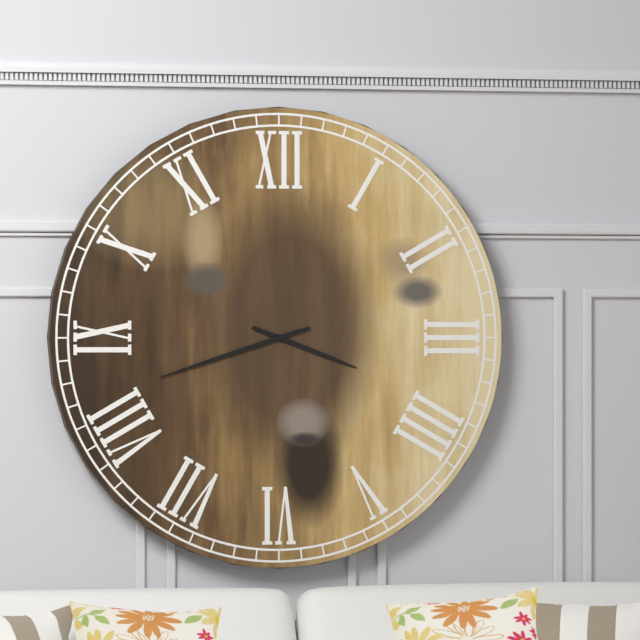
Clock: 3.42
